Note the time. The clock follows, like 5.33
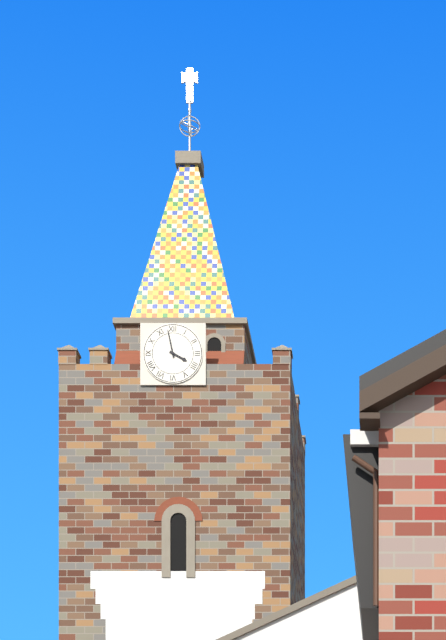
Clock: 3.58
